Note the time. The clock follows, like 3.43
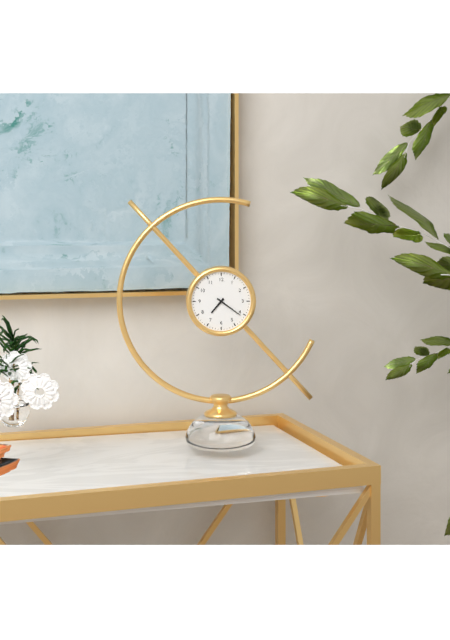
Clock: 7.21
